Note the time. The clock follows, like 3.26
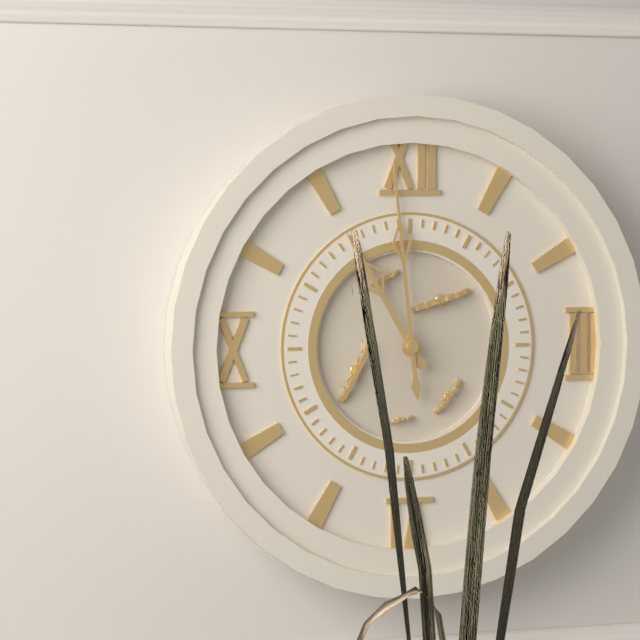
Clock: 10.59
